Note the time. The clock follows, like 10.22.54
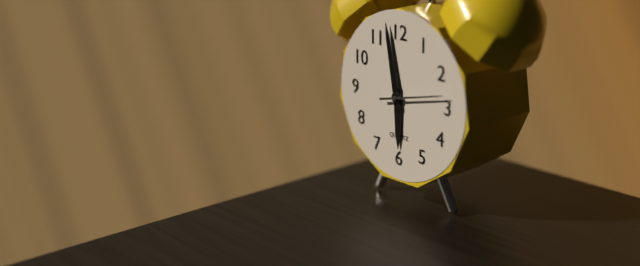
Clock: 5.58.13
